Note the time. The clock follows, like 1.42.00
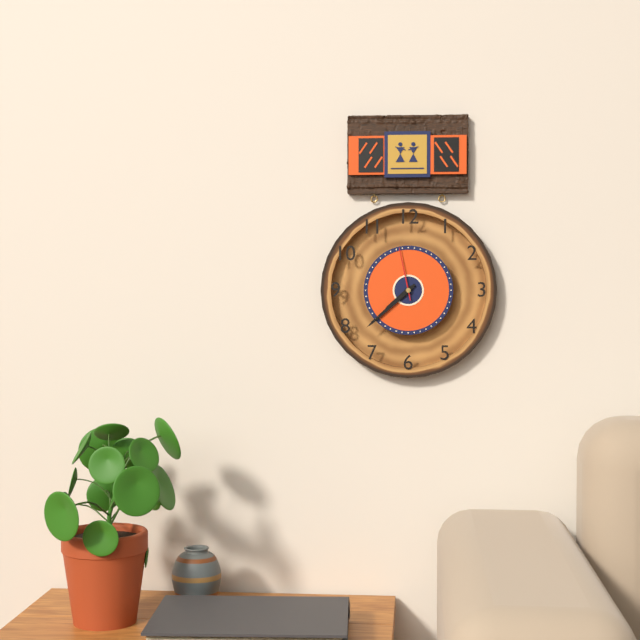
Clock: 7.38.58
